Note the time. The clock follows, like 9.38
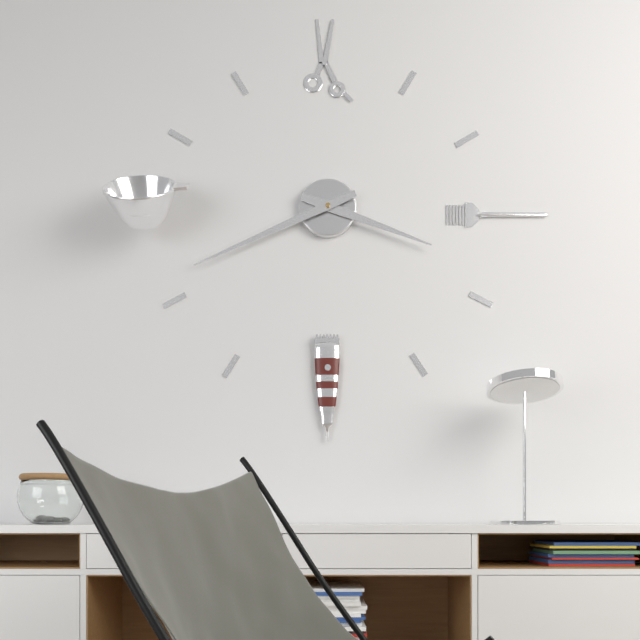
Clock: 3.41
